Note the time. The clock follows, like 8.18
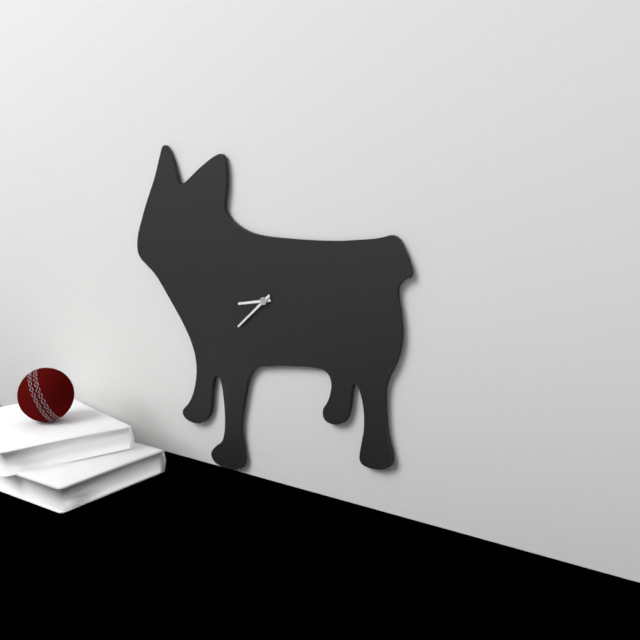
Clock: 8.38
